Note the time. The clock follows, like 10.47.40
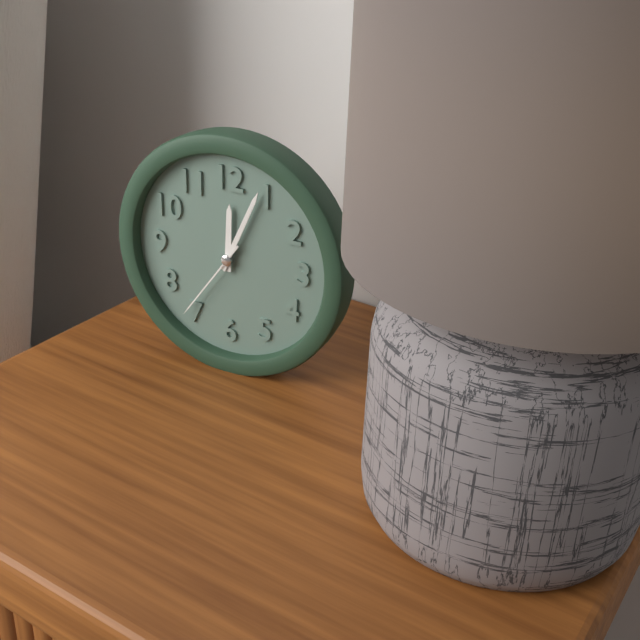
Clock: 12.04.36
